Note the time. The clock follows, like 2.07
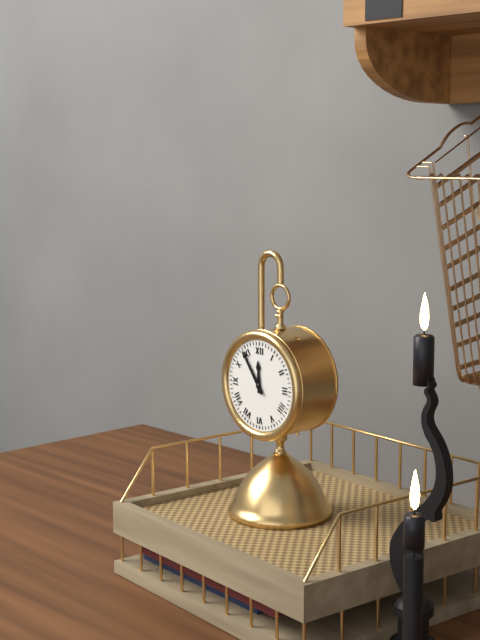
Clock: 11.54
